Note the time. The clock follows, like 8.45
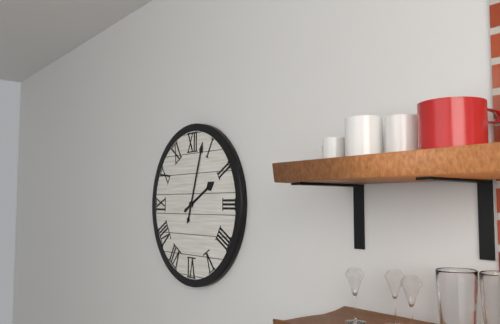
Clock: 2.03
